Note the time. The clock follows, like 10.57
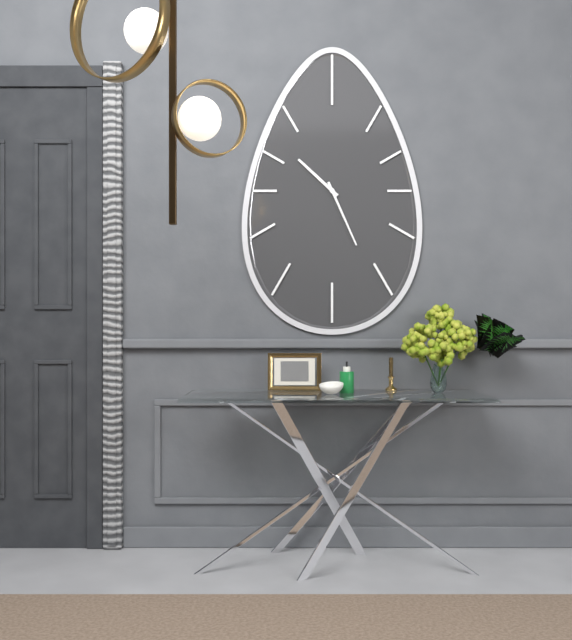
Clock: 10.26
